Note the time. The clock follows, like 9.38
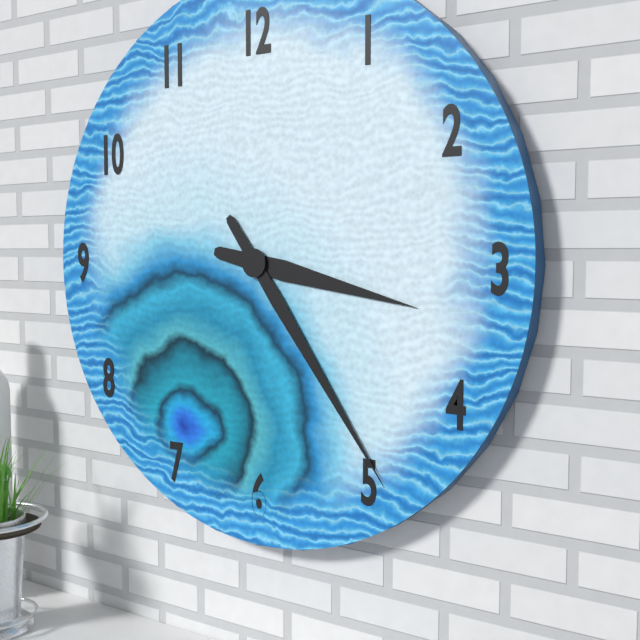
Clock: 3.24
